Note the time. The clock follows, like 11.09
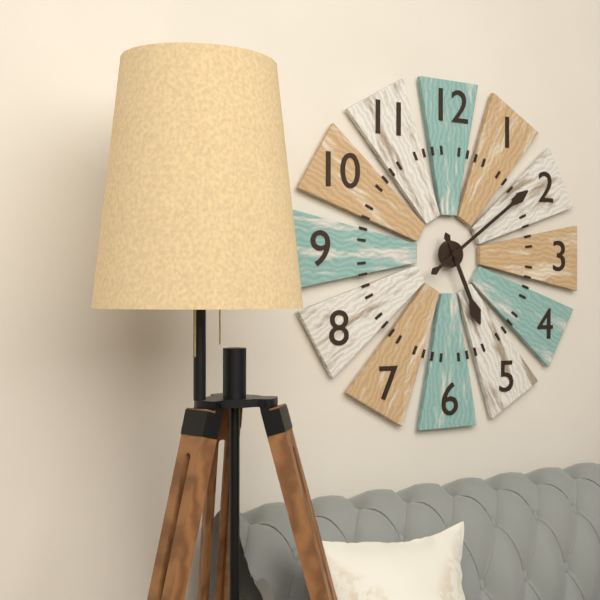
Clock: 5.09
